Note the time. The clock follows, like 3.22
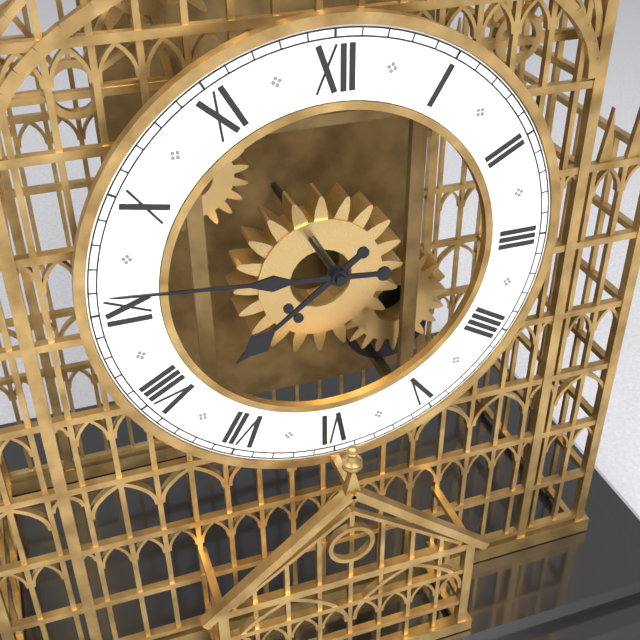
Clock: 7.46
